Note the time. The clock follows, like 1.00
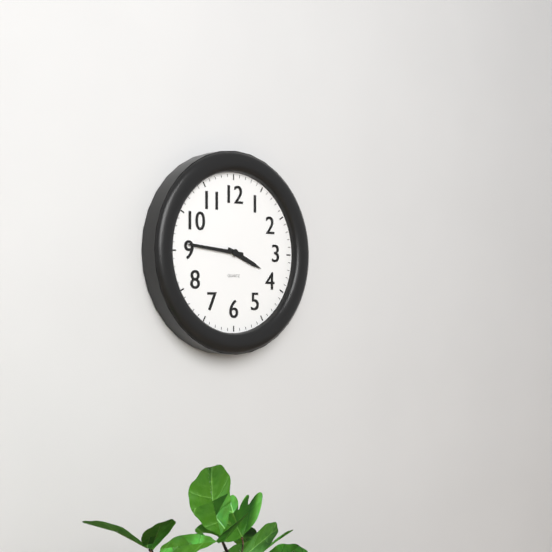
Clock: 3.46
